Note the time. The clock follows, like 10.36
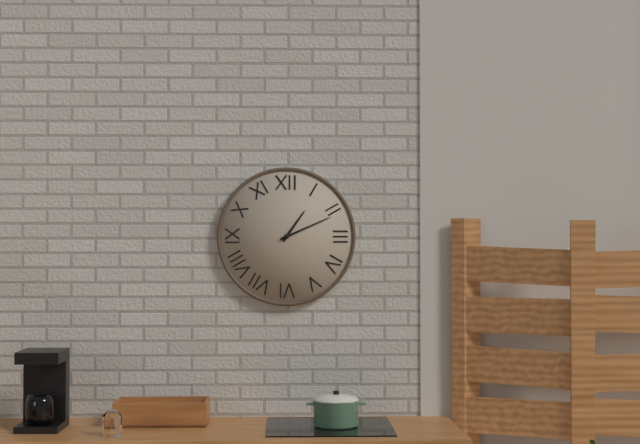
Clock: 1.11
